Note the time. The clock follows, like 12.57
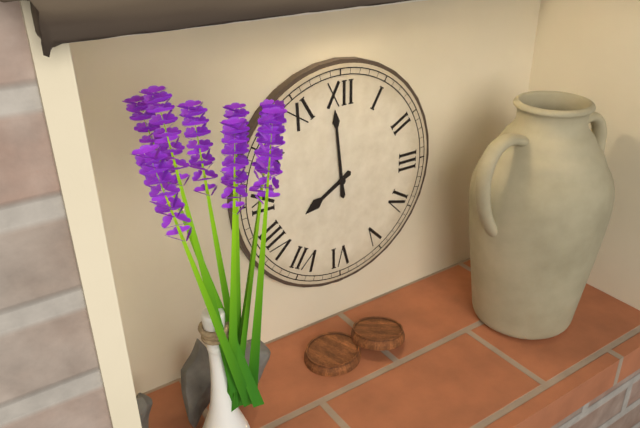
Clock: 7.59
